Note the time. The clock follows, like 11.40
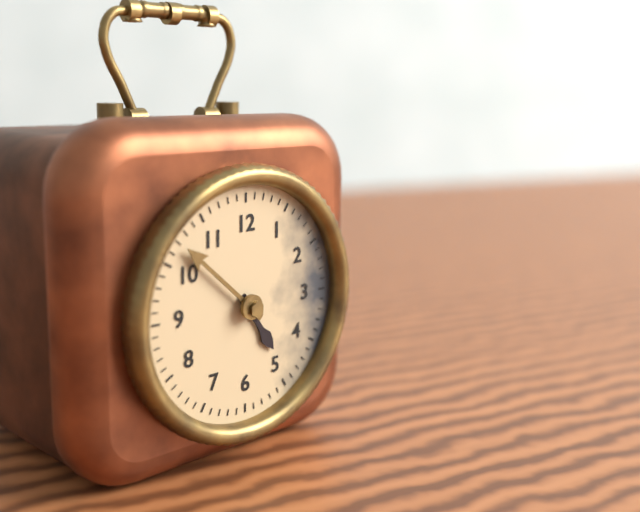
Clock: 4.52
